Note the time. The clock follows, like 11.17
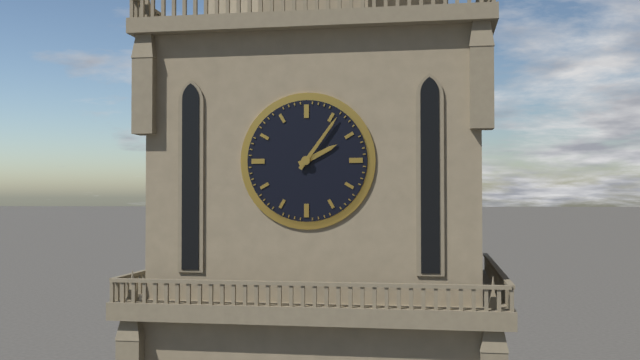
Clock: 2.06
